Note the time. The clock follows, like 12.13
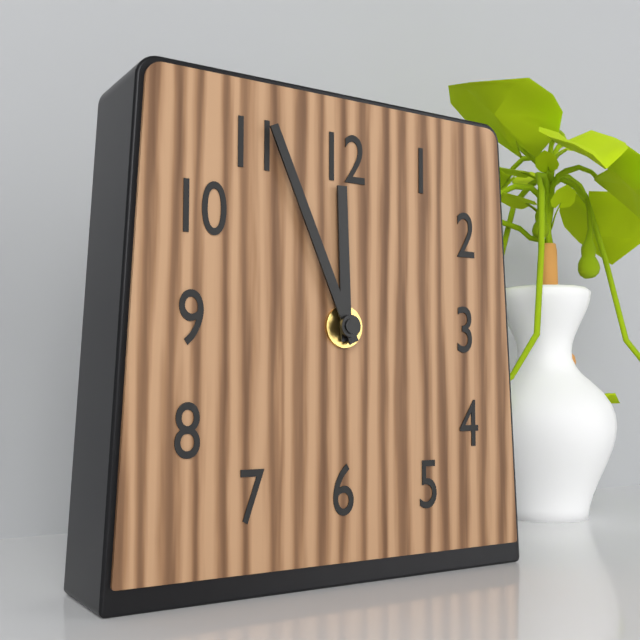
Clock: 11.56
